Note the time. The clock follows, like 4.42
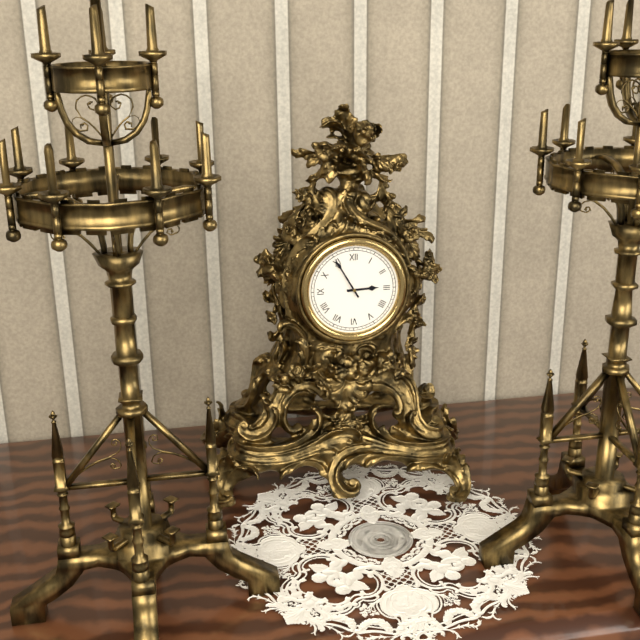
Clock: 2.55
